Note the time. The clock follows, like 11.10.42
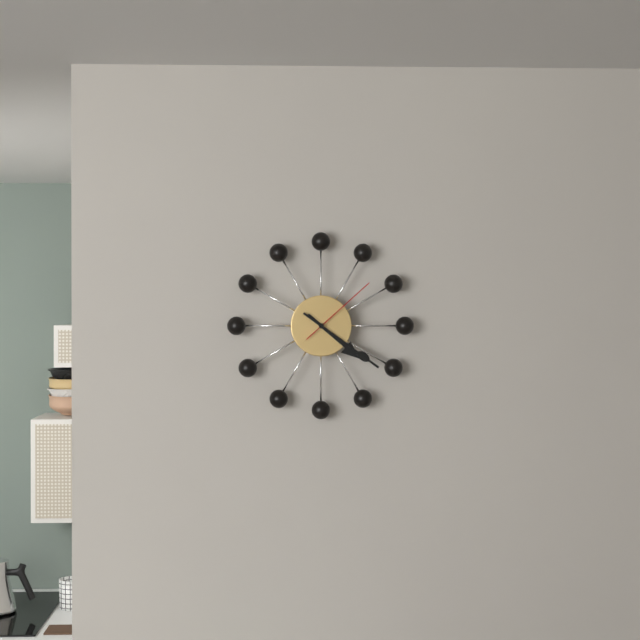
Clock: 4.21.08
